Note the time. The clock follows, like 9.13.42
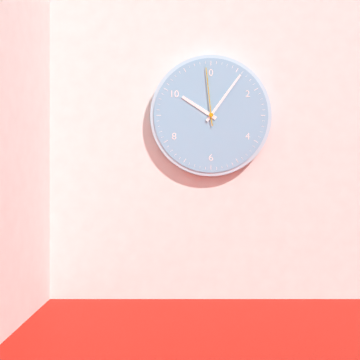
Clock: 10.06.59
